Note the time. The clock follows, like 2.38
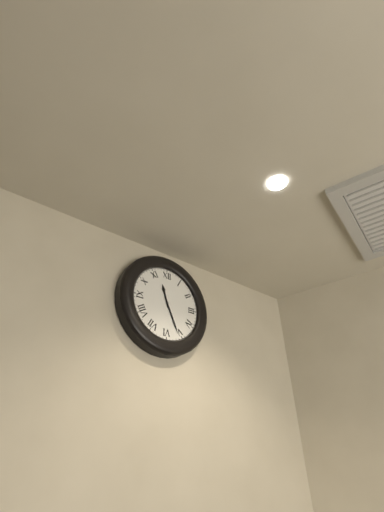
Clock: 11.26
